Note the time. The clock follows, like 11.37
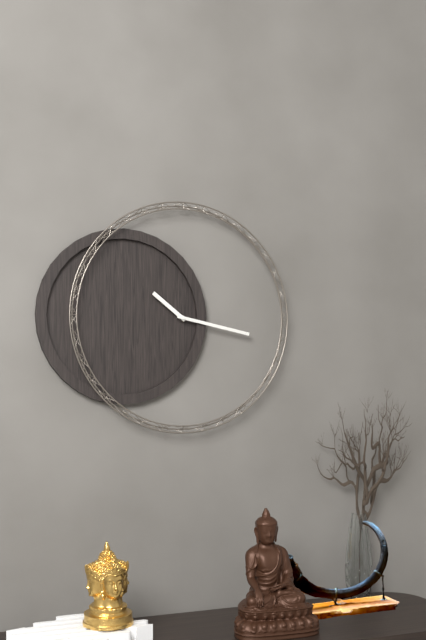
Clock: 10.17
